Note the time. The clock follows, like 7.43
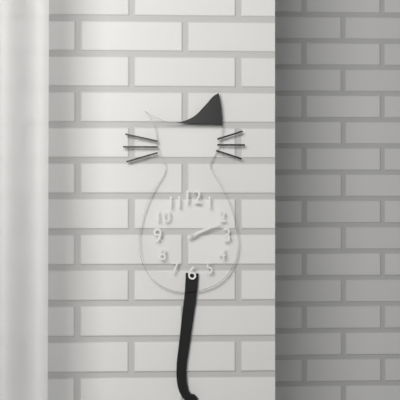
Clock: 2.11
